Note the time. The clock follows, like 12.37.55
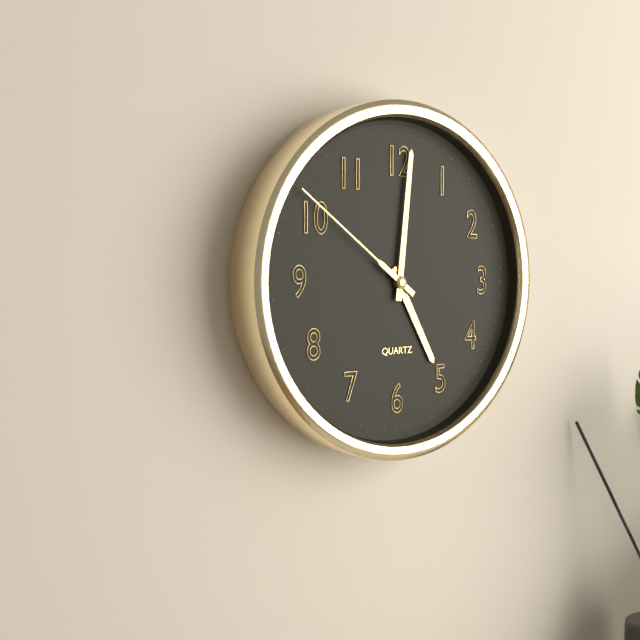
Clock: 5.01.51
